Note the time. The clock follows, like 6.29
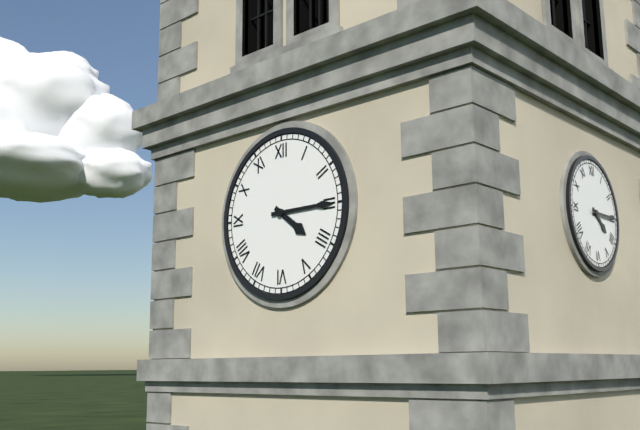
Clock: 4.15
